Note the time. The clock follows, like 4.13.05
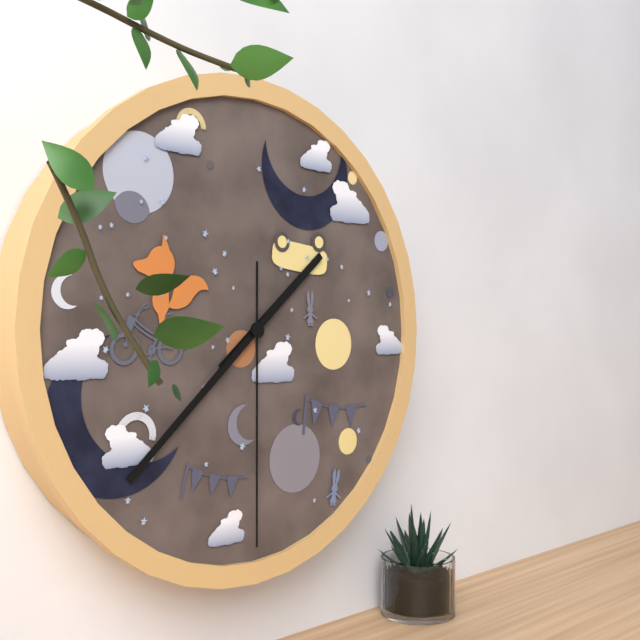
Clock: 1.38.30
